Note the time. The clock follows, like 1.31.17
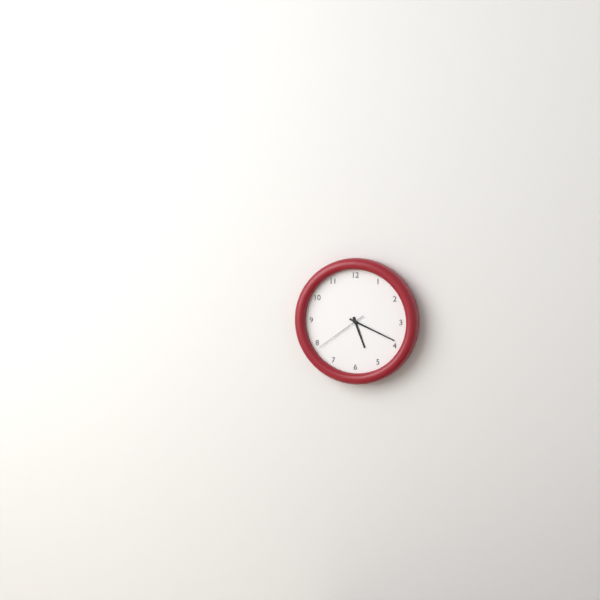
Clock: 5.19.39
